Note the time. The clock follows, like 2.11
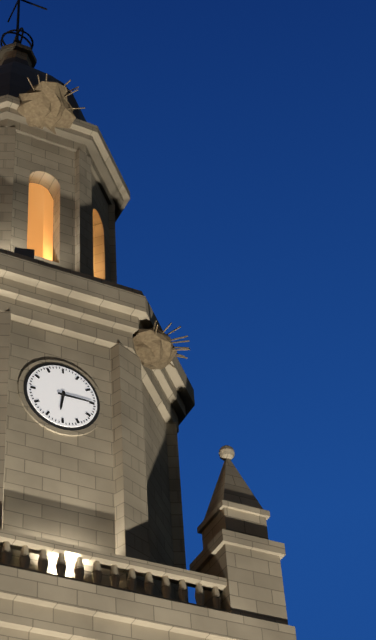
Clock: 6.15
